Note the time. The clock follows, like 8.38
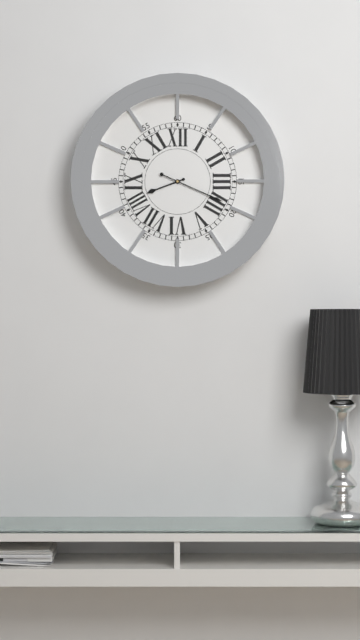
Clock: 8.19
